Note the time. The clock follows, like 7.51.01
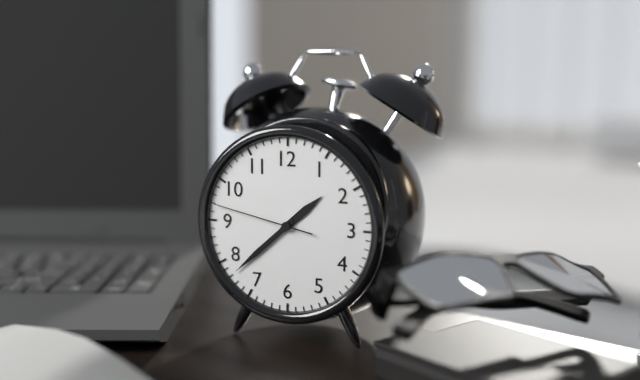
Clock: 1.38.47
